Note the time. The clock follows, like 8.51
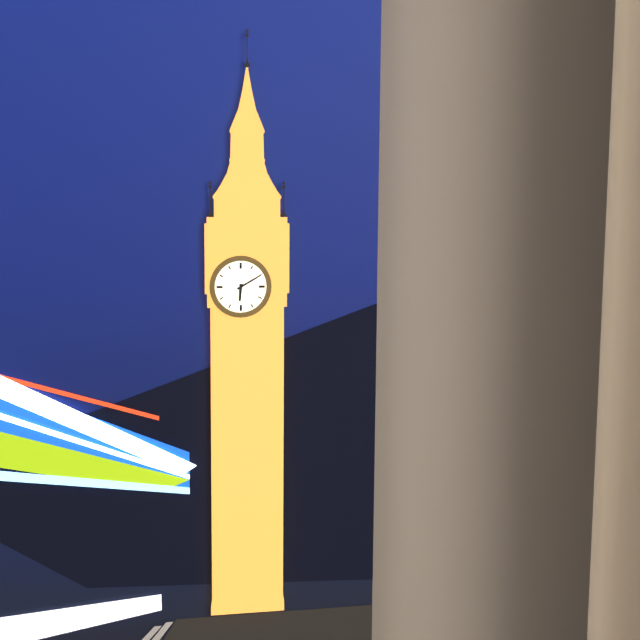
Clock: 6.10
